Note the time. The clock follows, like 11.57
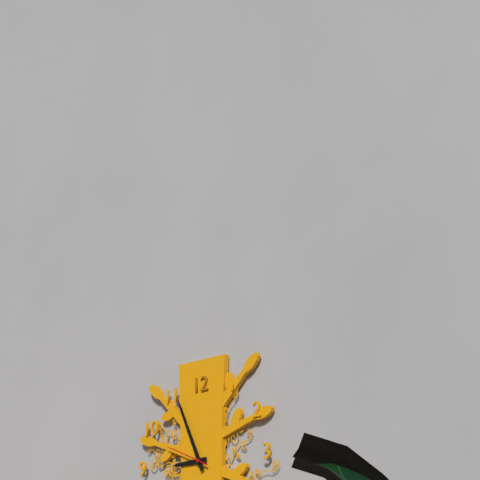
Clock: 8.56
